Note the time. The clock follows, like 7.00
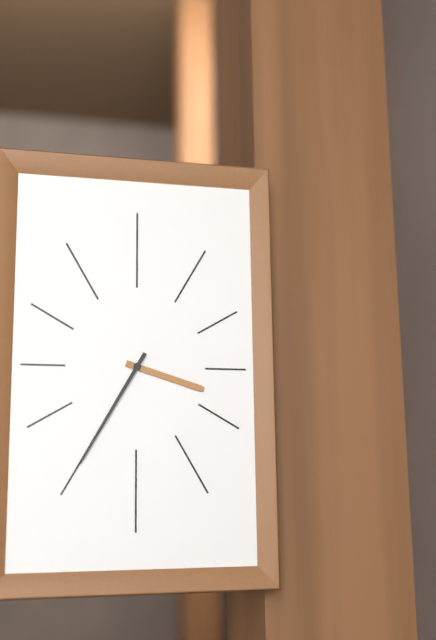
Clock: 3.35
